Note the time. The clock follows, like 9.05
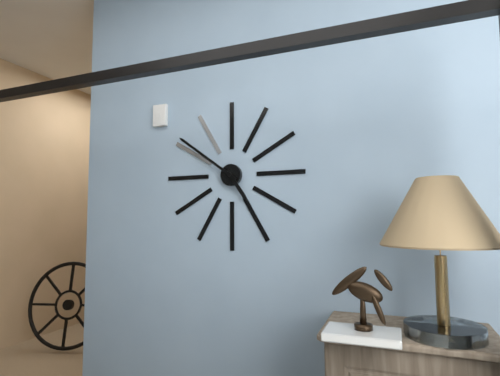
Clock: 4.51
